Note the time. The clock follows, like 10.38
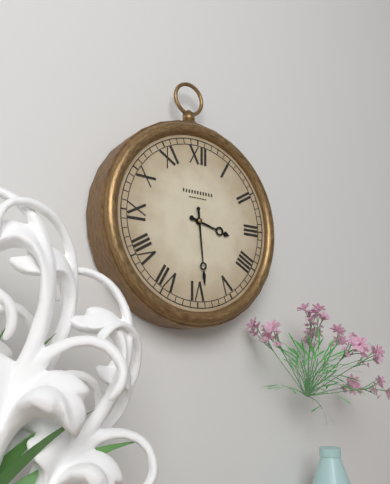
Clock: 3.29
